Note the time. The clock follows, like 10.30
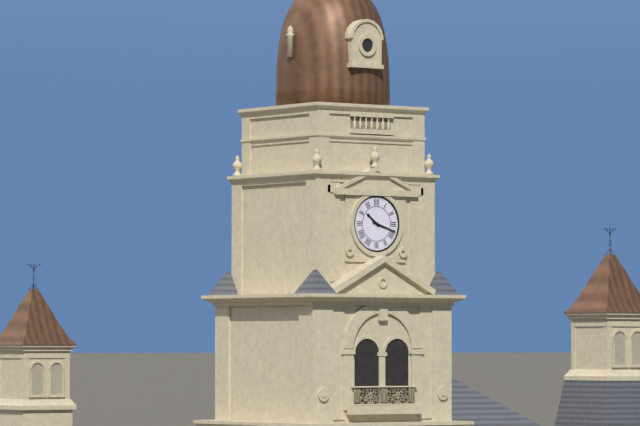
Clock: 10.18
